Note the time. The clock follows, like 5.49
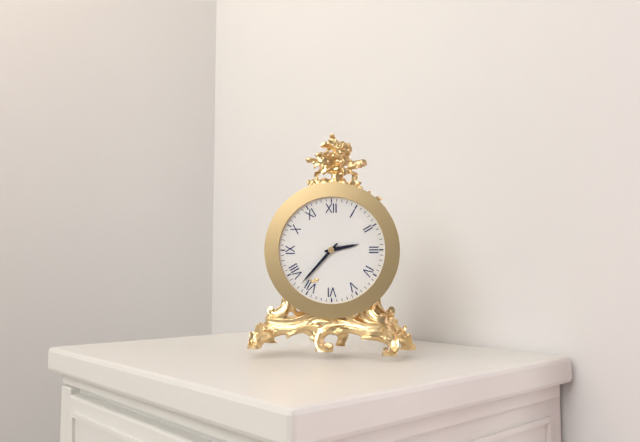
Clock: 2.37
